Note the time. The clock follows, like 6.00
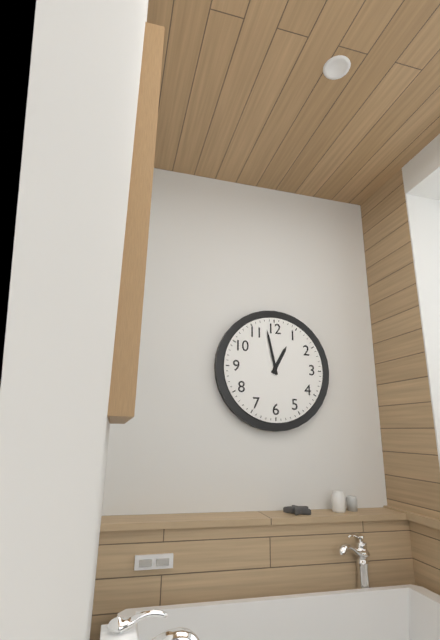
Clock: 12.58
